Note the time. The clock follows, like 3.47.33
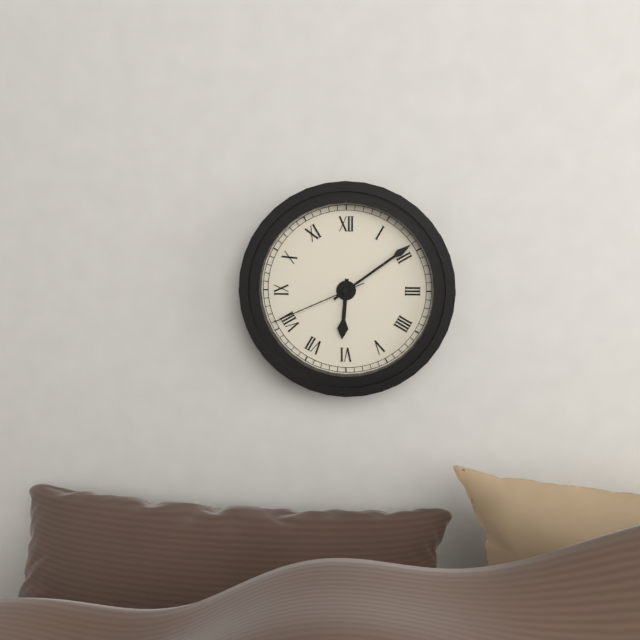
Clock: 6.09.41
